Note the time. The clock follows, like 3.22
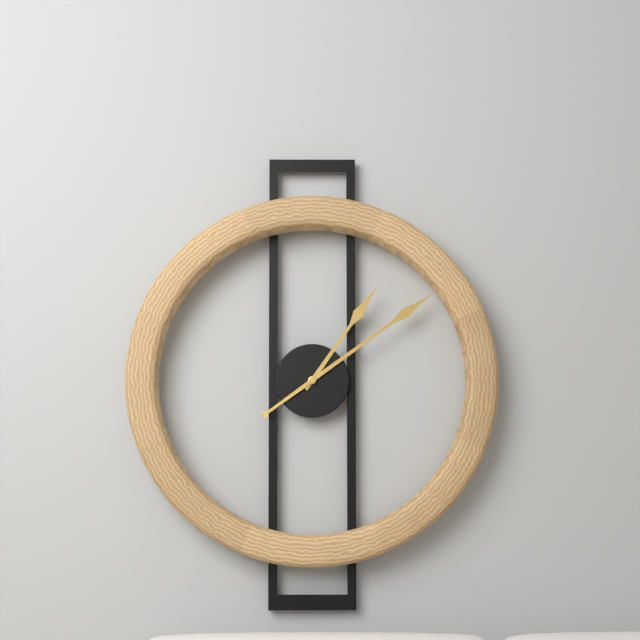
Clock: 1.09
